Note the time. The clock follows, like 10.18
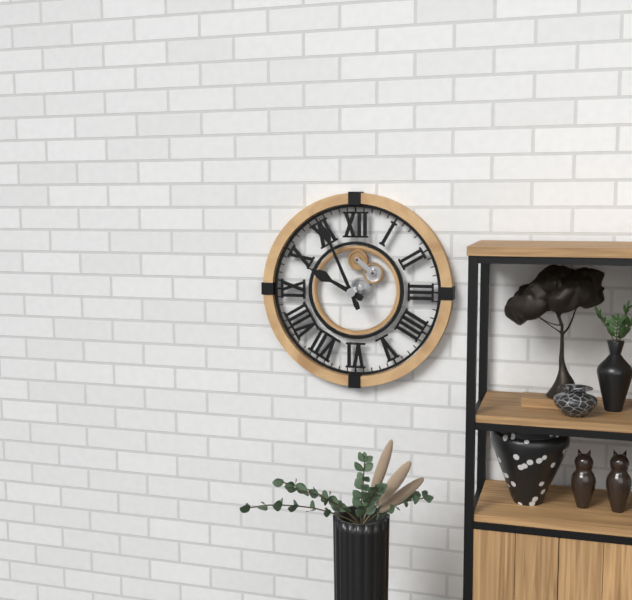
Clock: 9.56
